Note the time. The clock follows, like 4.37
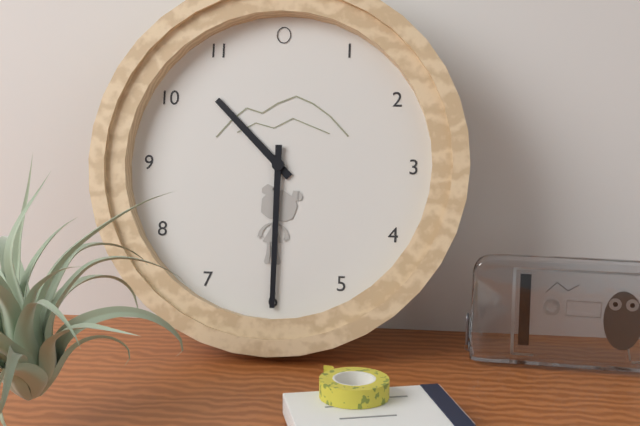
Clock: 10.30
